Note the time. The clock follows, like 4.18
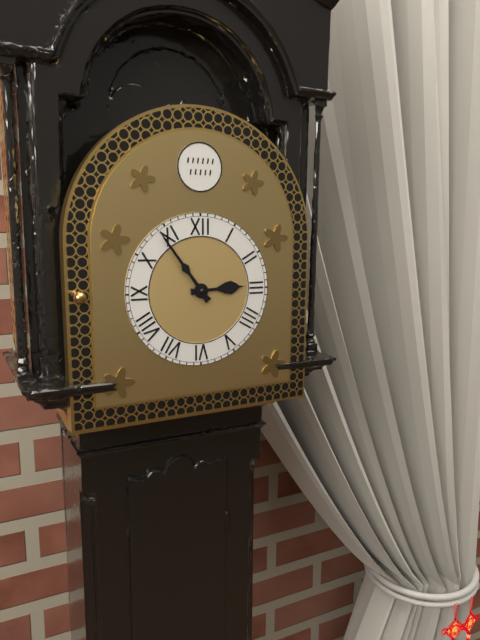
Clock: 2.54
